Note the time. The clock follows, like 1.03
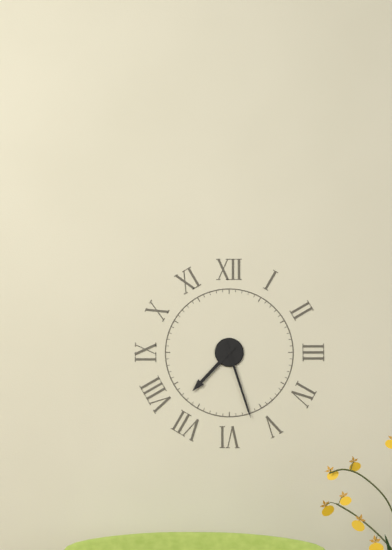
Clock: 7.27
